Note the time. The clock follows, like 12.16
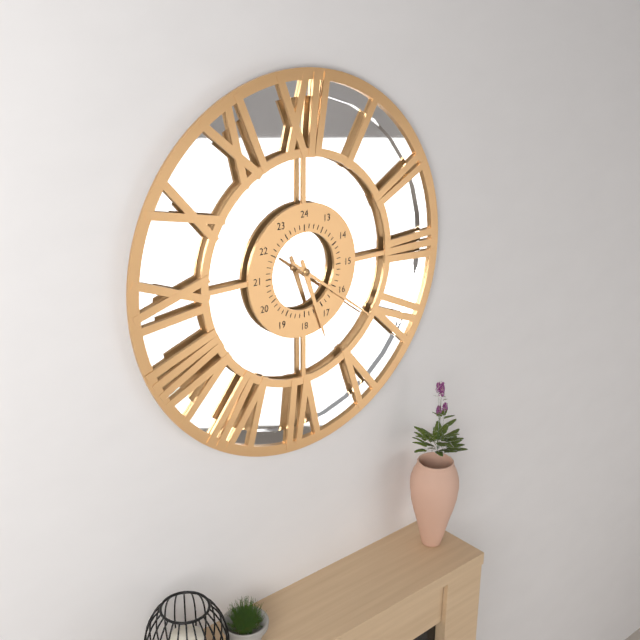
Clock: 5.21
